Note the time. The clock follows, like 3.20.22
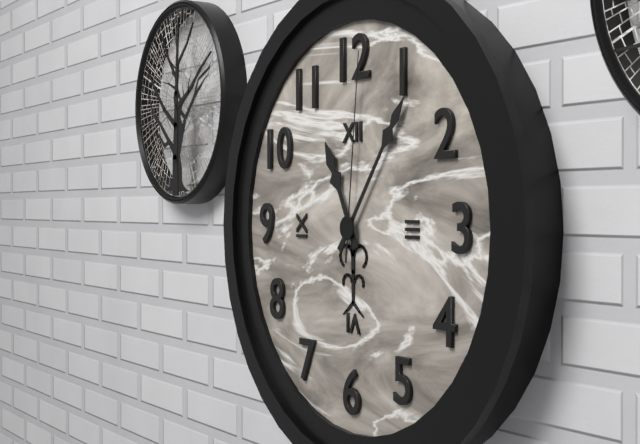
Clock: 11.06.01
